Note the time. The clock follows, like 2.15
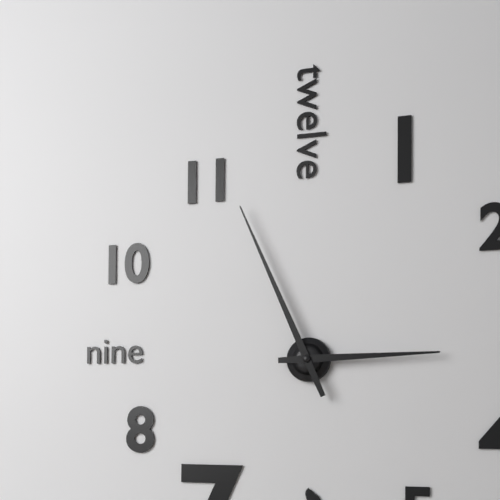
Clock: 2.56
